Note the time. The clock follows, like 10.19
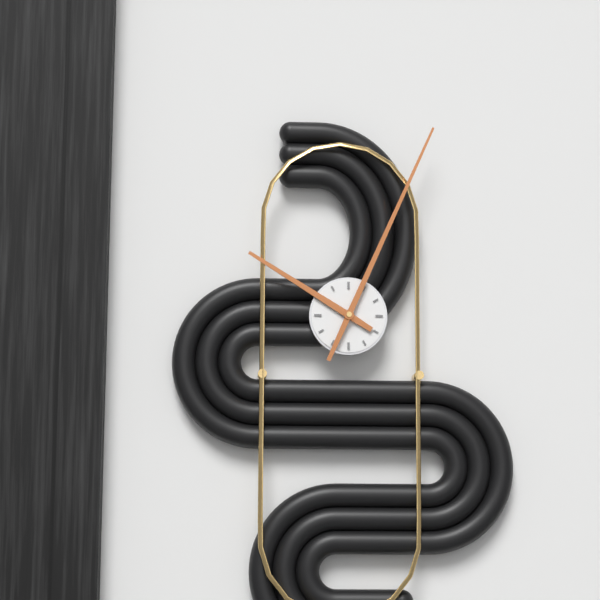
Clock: 10.04
